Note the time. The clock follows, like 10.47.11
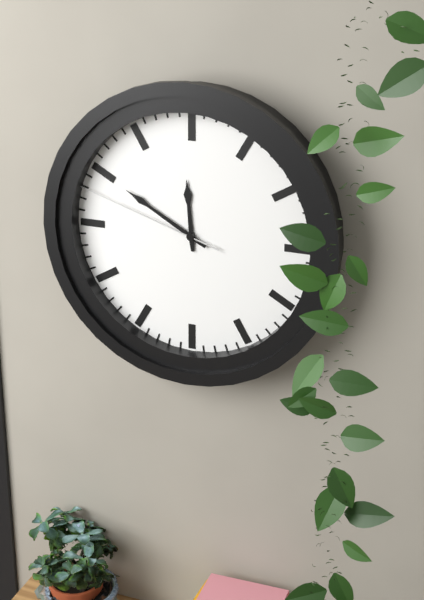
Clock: 11.50.48
